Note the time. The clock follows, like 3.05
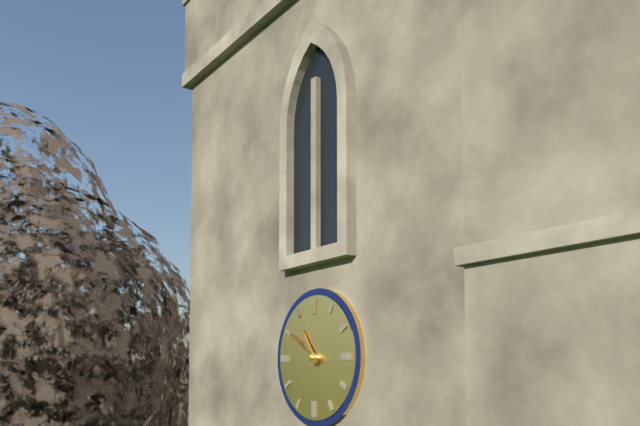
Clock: 10.50
